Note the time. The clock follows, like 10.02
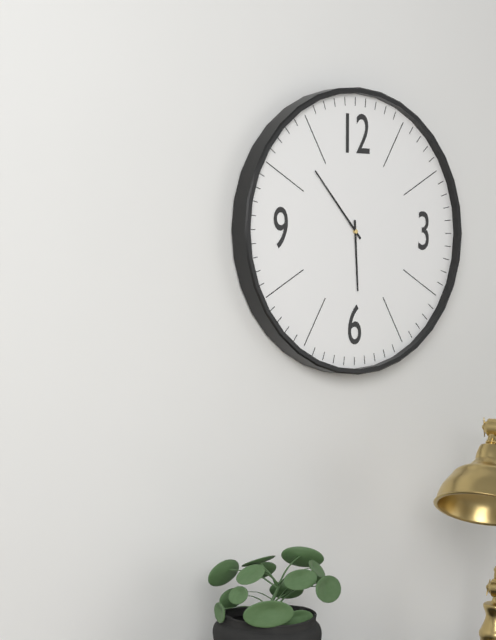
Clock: 5.53
